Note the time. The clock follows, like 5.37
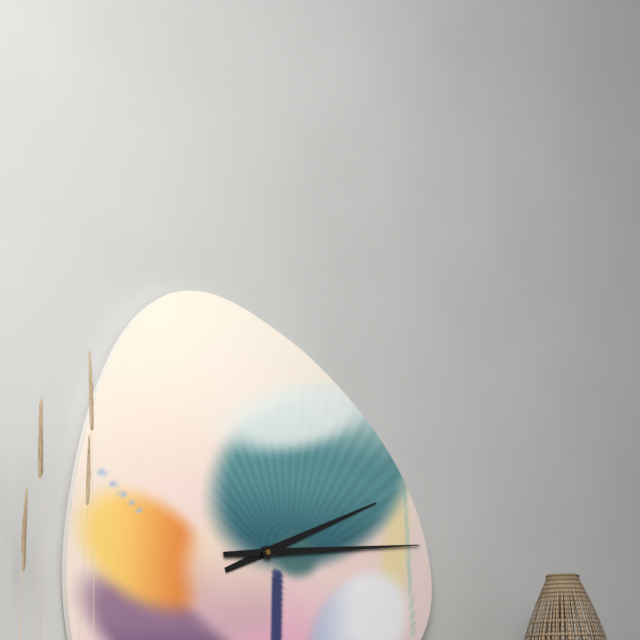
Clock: 2.14
